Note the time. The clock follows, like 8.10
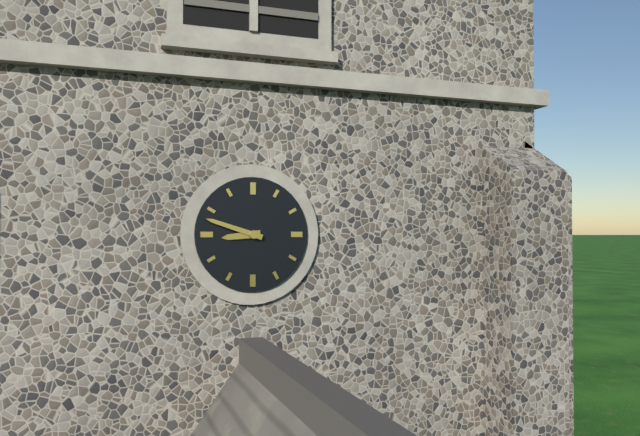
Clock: 8.48
